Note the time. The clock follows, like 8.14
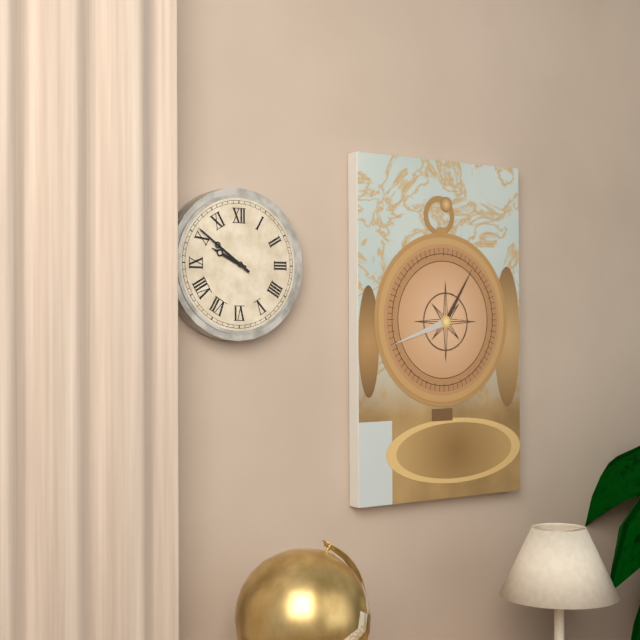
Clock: 9.51
